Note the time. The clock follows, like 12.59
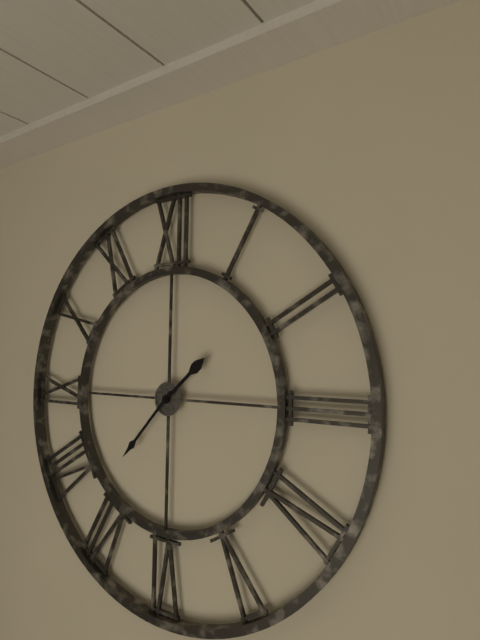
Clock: 1.37
